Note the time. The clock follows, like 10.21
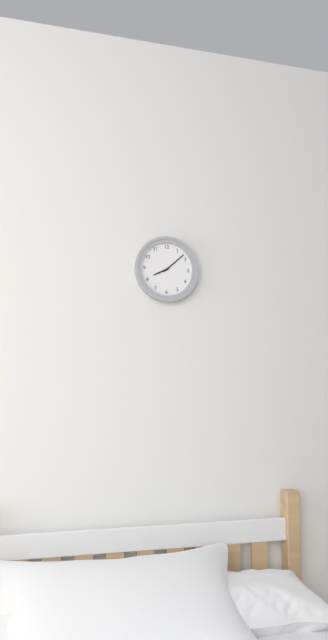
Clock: 8.08
